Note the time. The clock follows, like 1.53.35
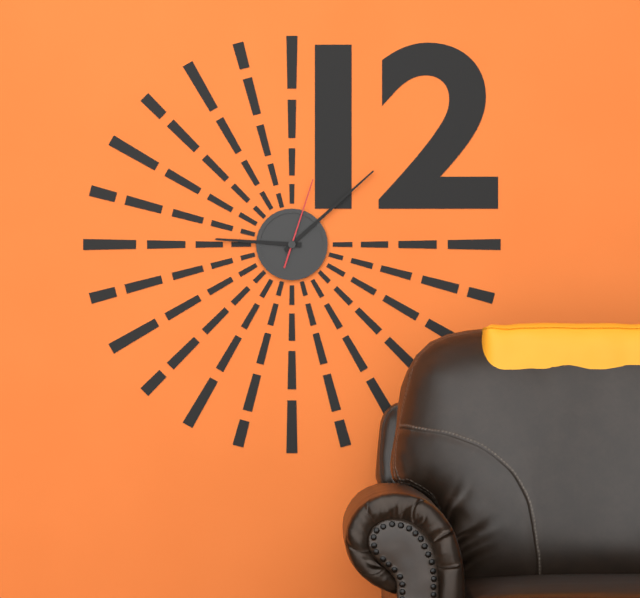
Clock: 9.08.03
